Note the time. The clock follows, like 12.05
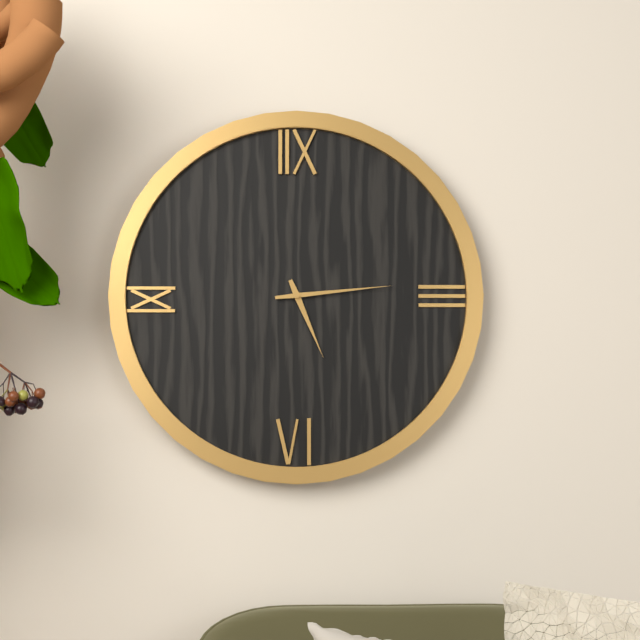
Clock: 5.14
